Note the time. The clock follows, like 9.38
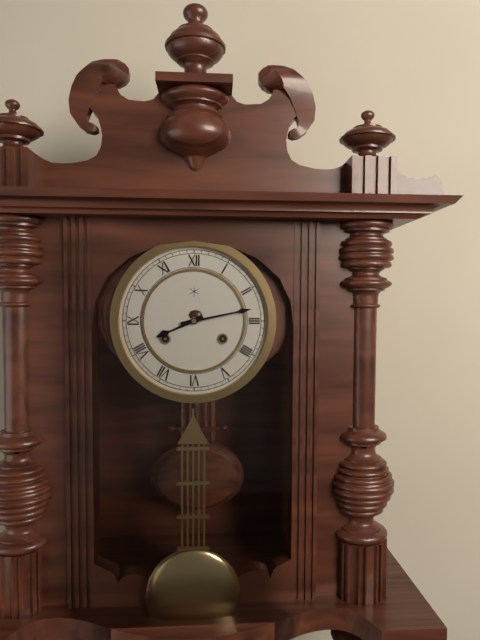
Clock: 8.13
